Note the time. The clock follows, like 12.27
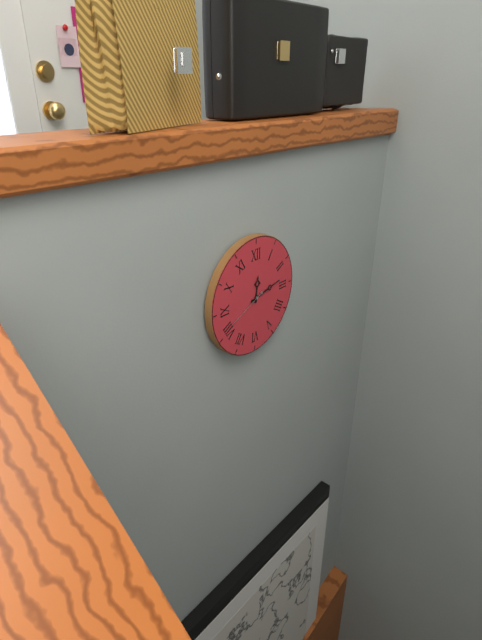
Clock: 12.13
